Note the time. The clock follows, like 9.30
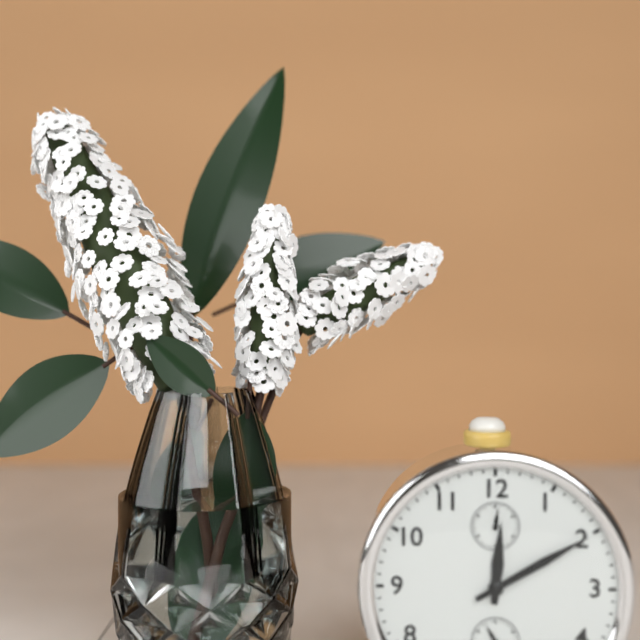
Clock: 12.10
